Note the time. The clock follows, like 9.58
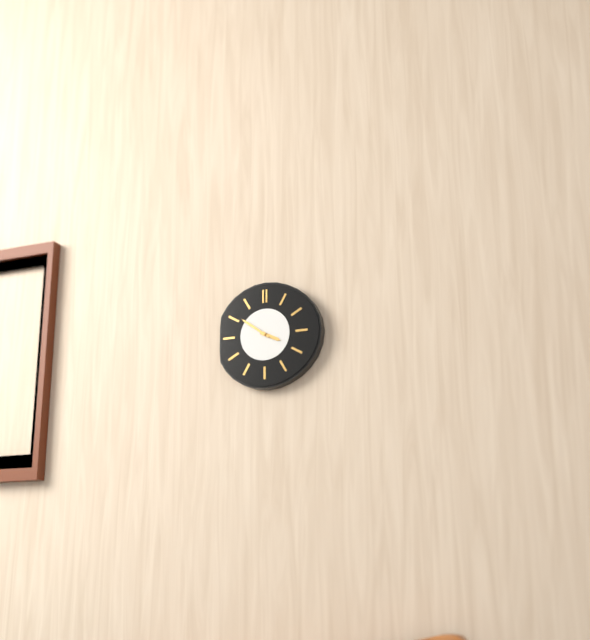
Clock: 3.51
